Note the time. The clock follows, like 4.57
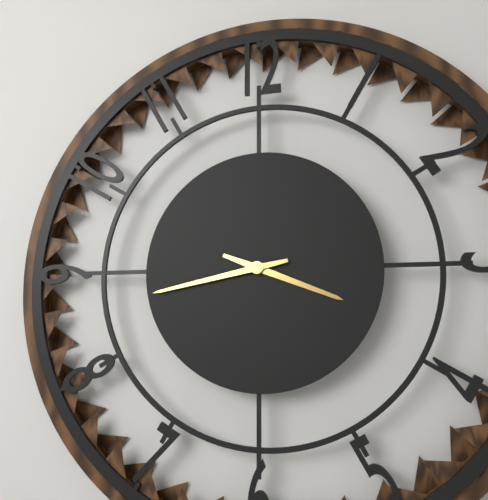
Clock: 3.43
